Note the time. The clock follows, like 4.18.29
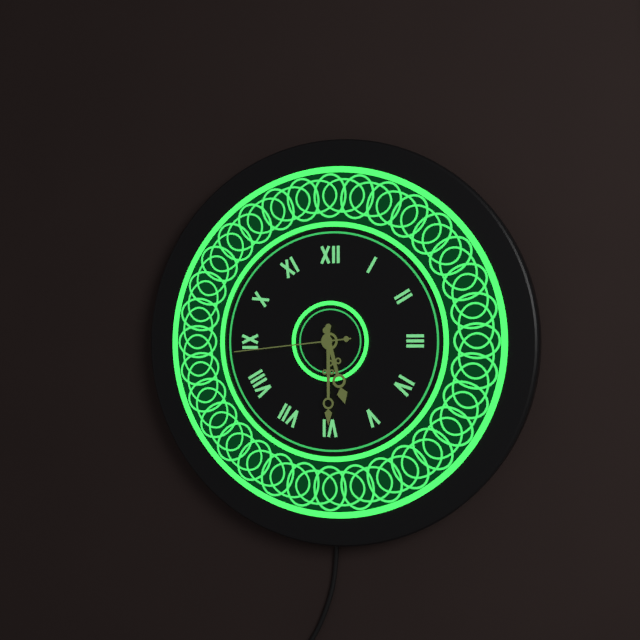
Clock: 5.30.44
